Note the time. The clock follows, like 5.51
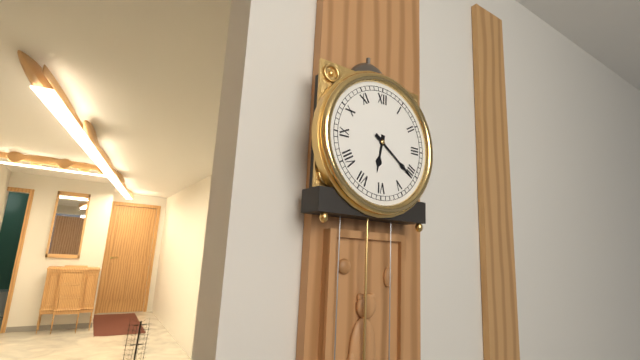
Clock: 6.21
